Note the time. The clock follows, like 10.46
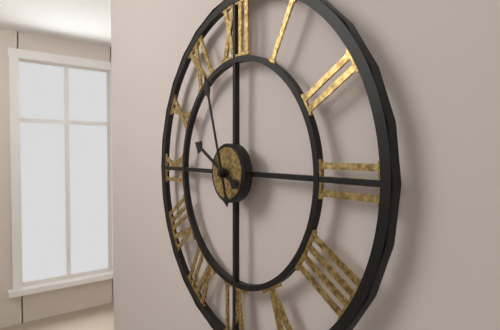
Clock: 9.57
